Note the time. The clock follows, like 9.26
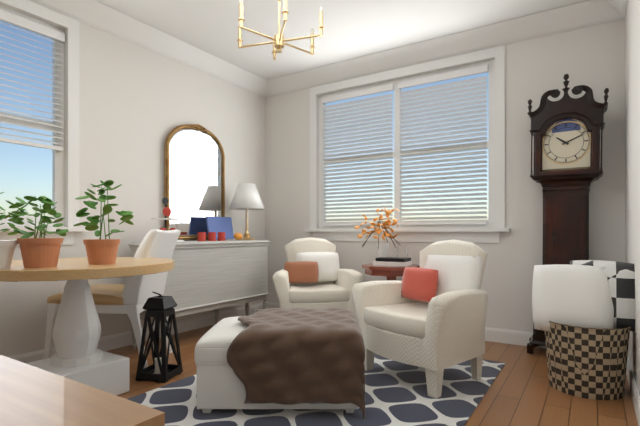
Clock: 10.11
